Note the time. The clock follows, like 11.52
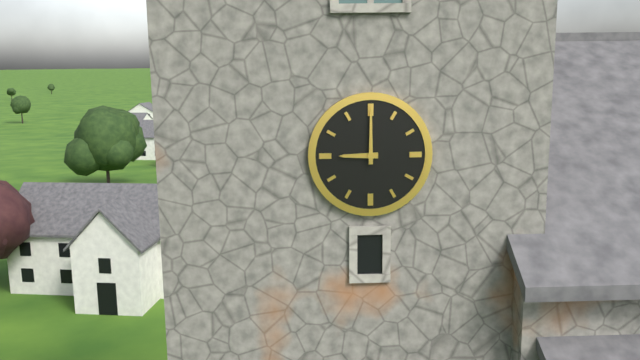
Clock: 9.00
